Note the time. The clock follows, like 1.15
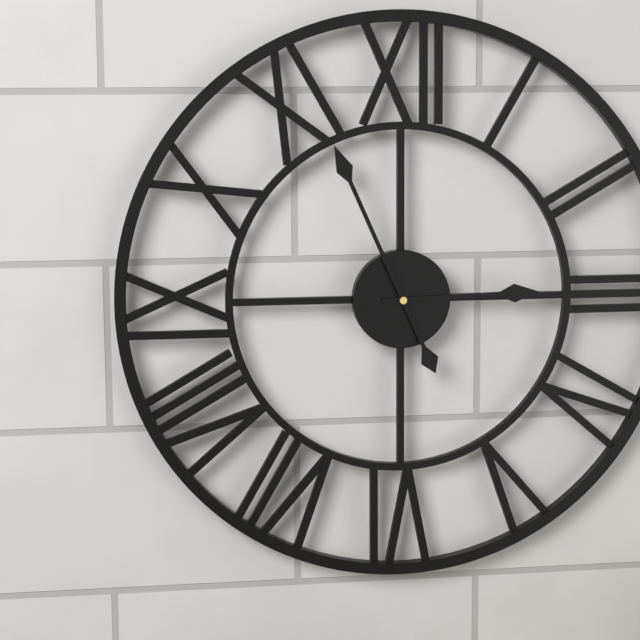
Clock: 2.56
